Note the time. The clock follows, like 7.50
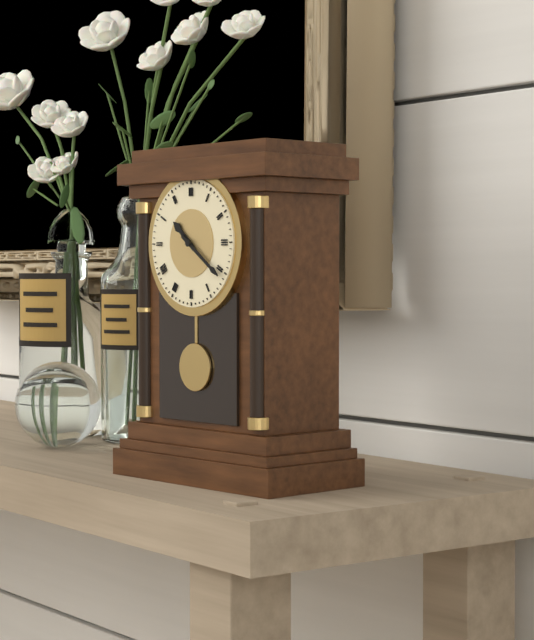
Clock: 10.21
